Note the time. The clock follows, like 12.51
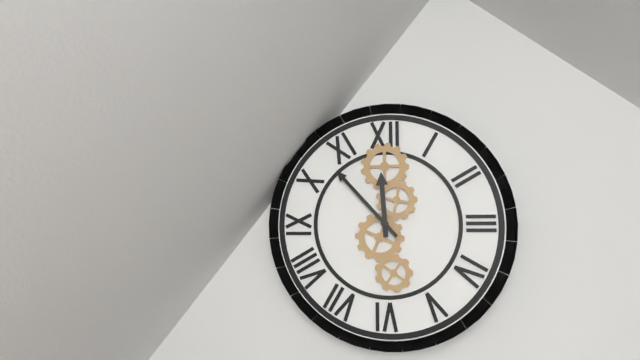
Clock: 11.53
